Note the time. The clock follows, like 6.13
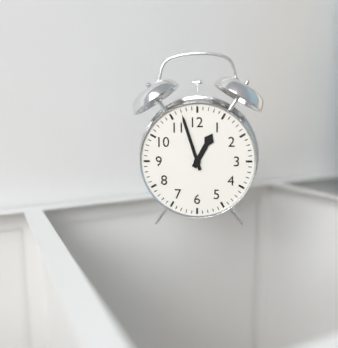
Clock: 12.57
